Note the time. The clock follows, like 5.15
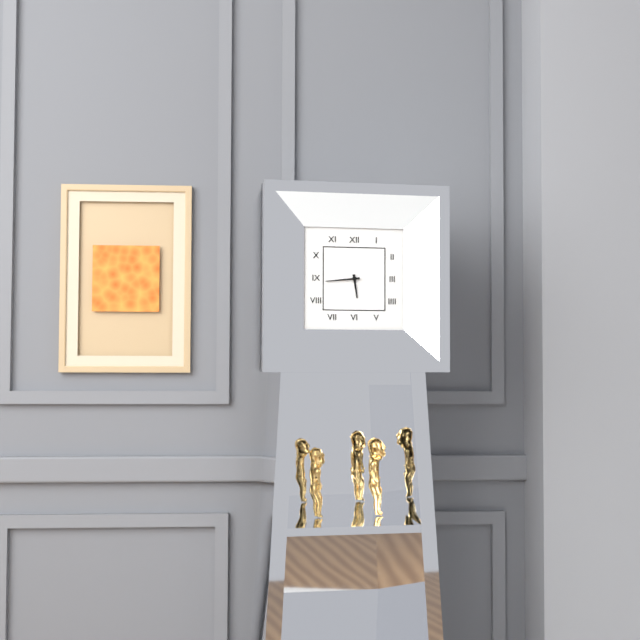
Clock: 5.44
